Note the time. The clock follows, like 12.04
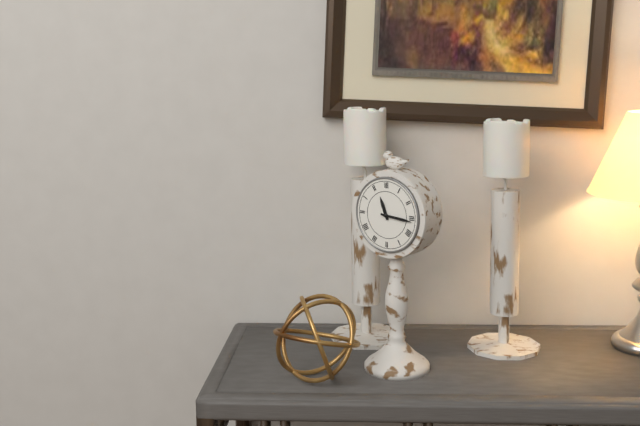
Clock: 11.16
